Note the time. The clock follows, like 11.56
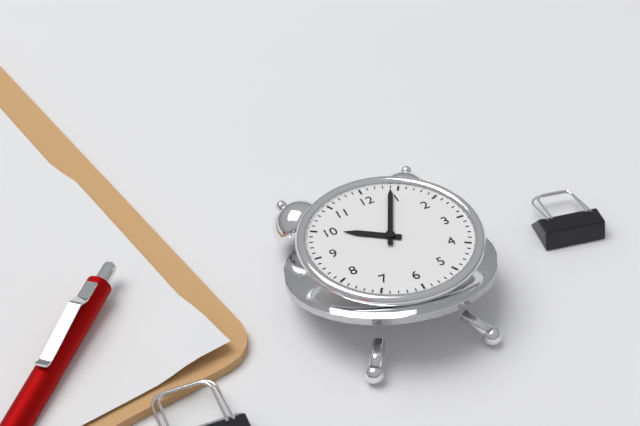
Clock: 10.04
